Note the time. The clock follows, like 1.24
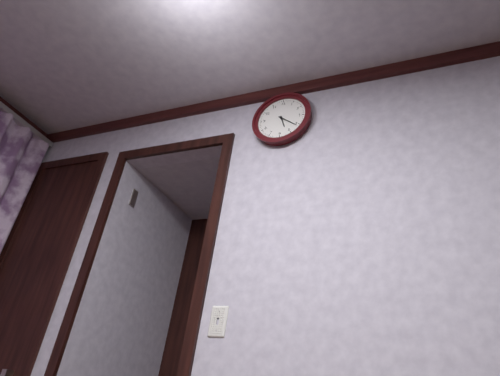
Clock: 5.21
